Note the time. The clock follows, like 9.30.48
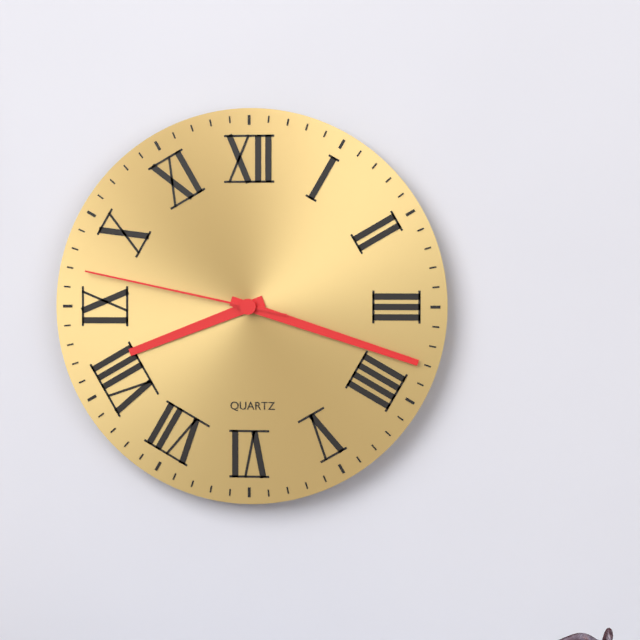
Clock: 8.18.47
